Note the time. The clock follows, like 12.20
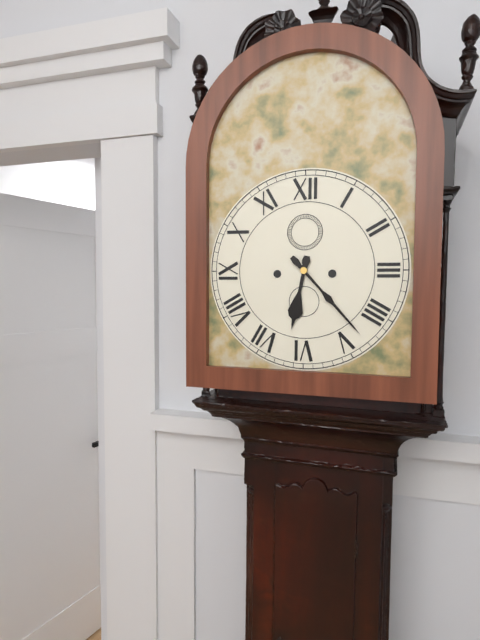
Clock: 6.23
